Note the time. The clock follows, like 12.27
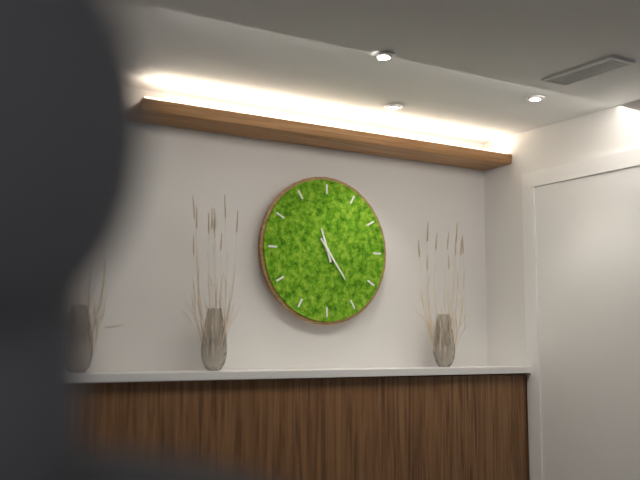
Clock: 11.24
